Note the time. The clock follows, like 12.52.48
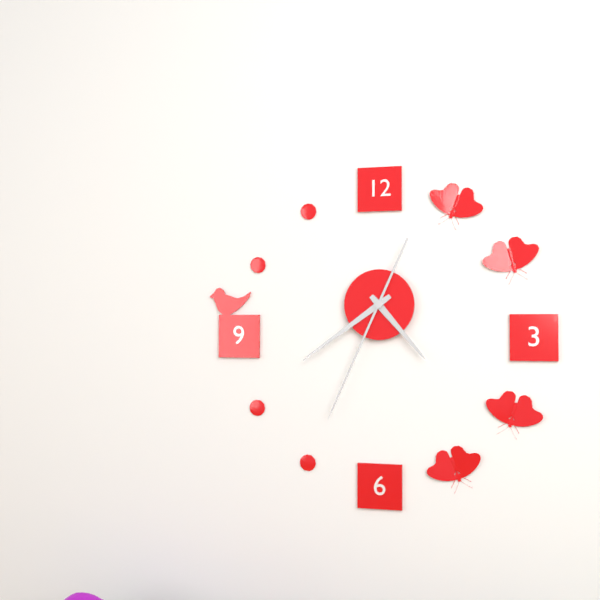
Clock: 4.39.34
